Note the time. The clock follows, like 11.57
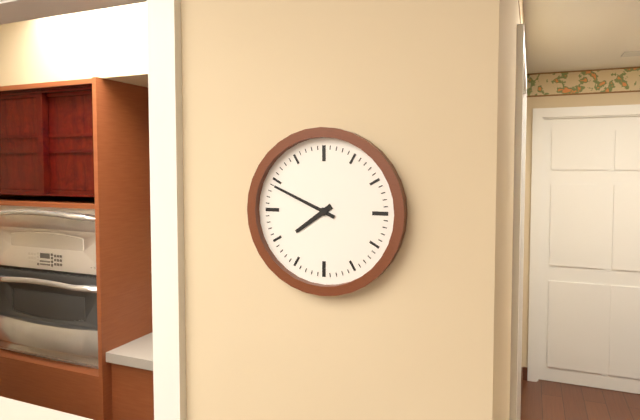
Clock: 7.49
